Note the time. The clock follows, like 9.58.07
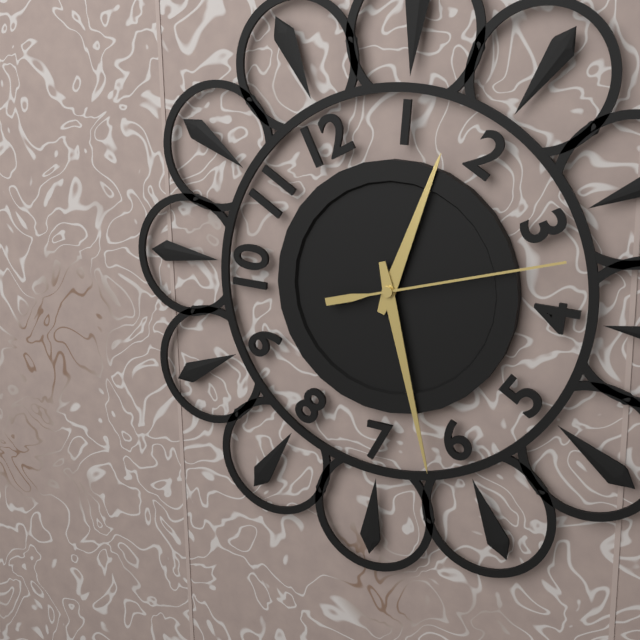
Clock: 1.32.17
